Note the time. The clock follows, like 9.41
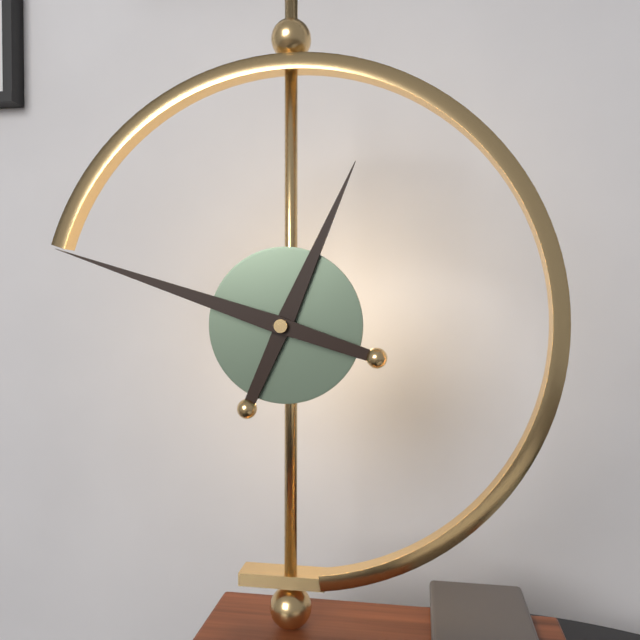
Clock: 12.48
